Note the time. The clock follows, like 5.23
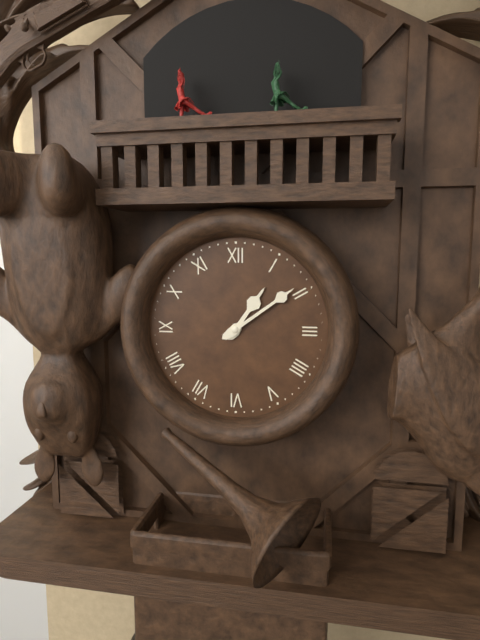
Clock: 1.09
